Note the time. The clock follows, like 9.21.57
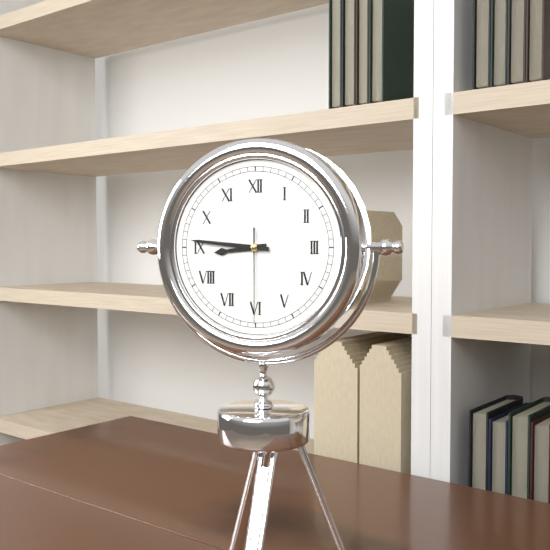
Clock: 8.46.30
